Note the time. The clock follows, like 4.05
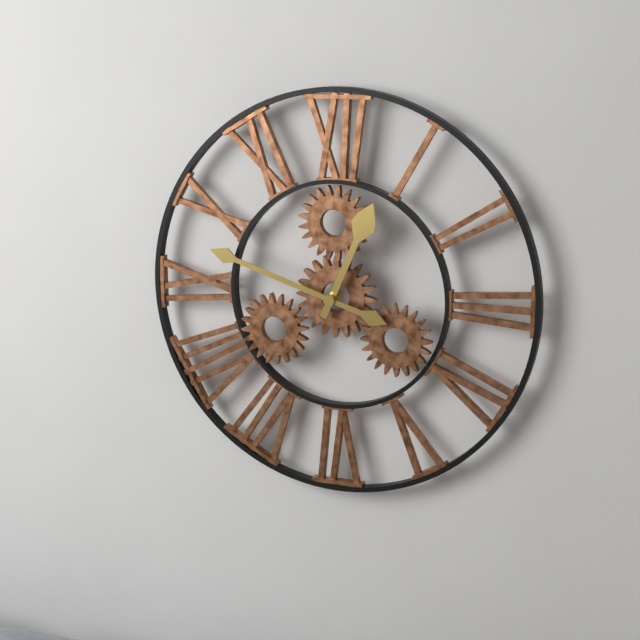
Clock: 12.48
